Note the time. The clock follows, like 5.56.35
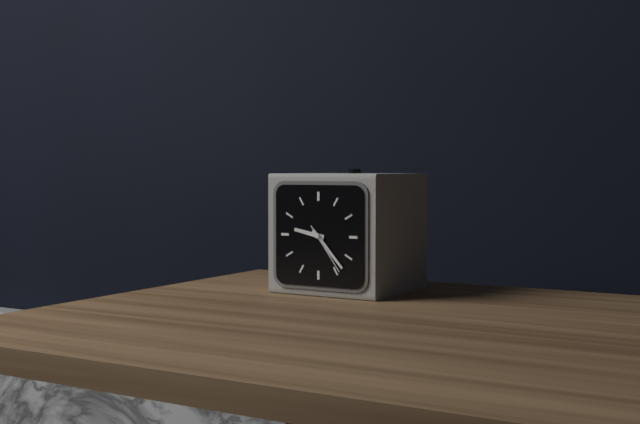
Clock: 9.23.24
